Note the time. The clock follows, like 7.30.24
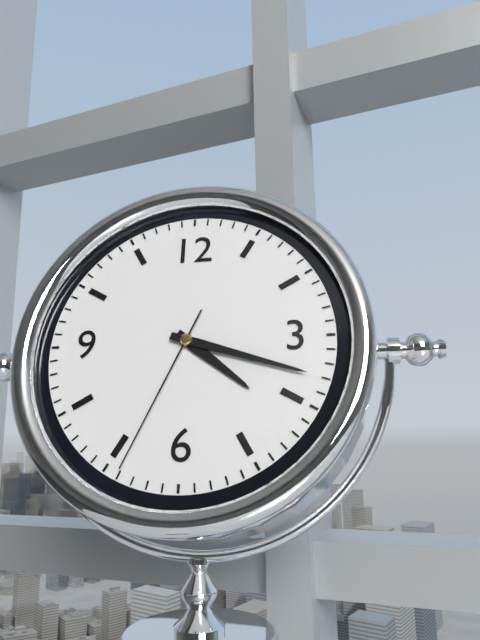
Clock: 4.18.34
